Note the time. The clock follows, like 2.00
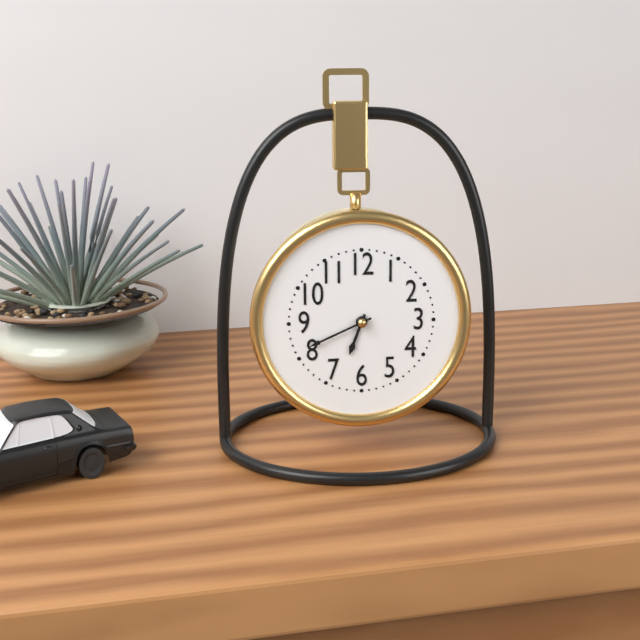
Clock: 6.41
